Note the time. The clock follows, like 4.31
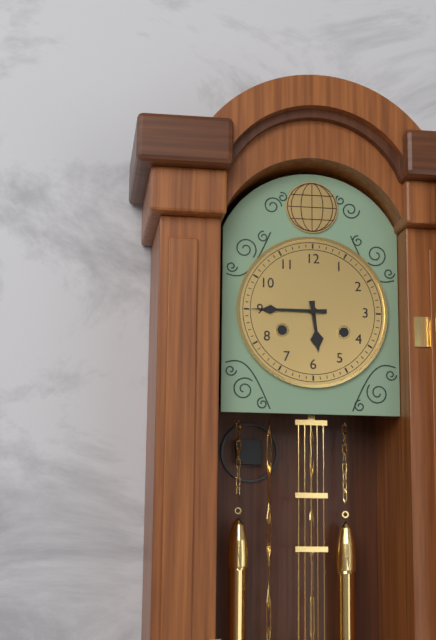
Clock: 5.45
